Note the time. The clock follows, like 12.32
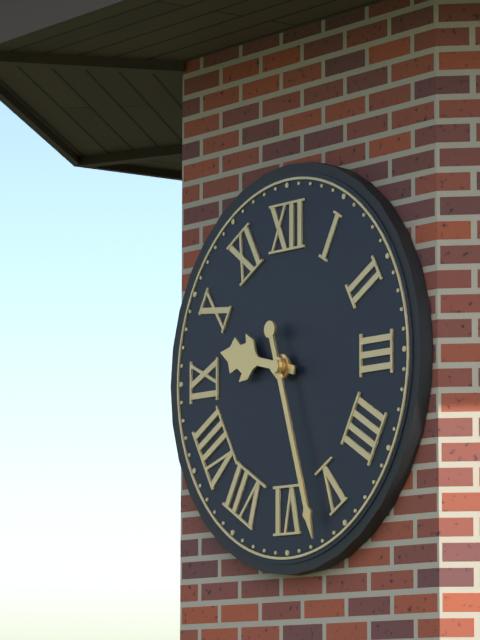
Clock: 9.27
